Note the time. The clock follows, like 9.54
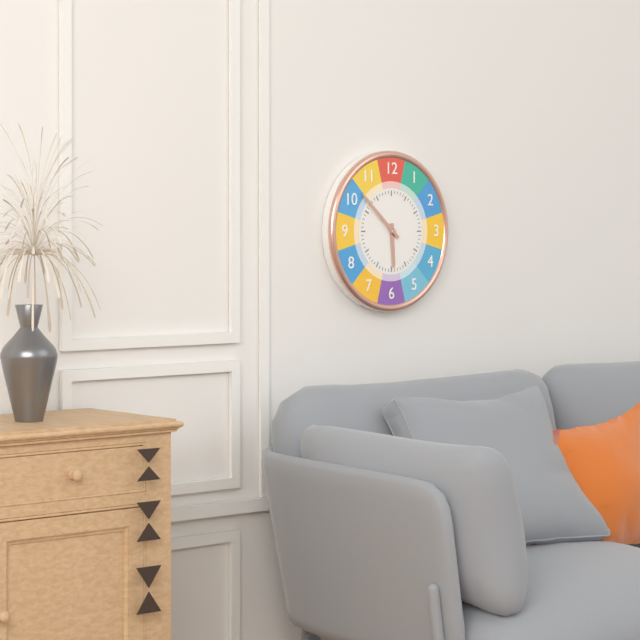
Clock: 5.52
